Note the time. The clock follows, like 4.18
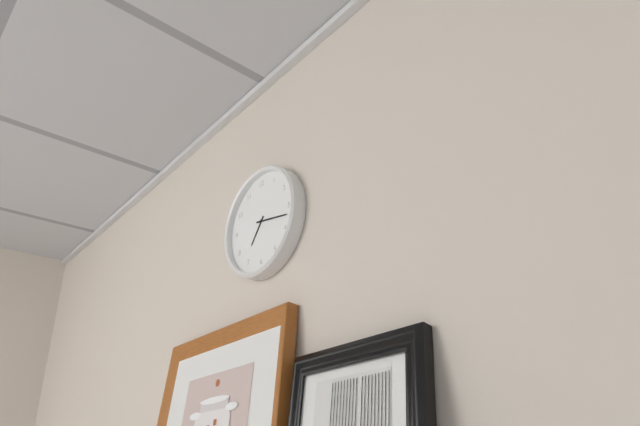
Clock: 7.17
